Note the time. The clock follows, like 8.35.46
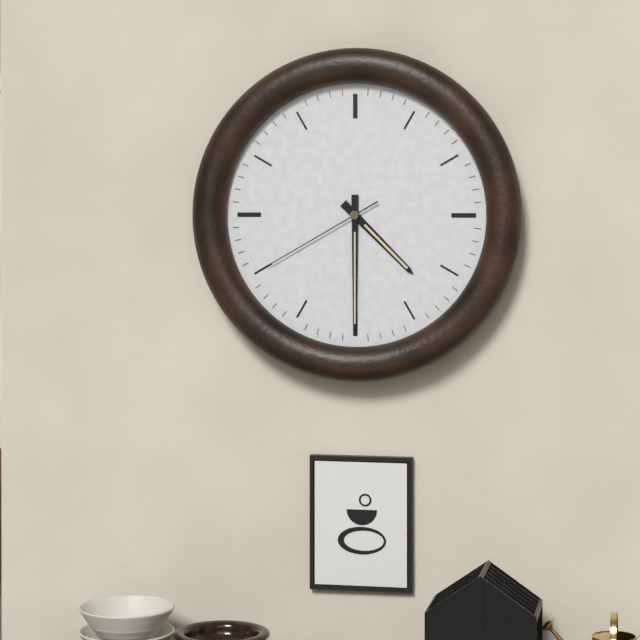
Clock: 4.30.40
